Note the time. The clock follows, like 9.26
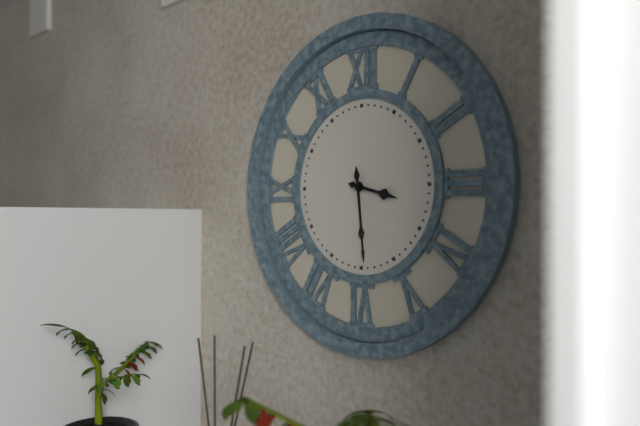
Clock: 3.29
